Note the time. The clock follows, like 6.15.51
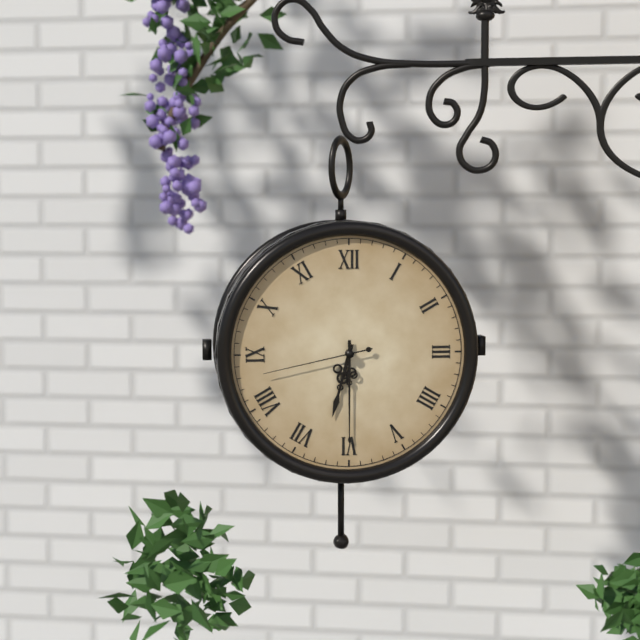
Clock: 6.30.43
